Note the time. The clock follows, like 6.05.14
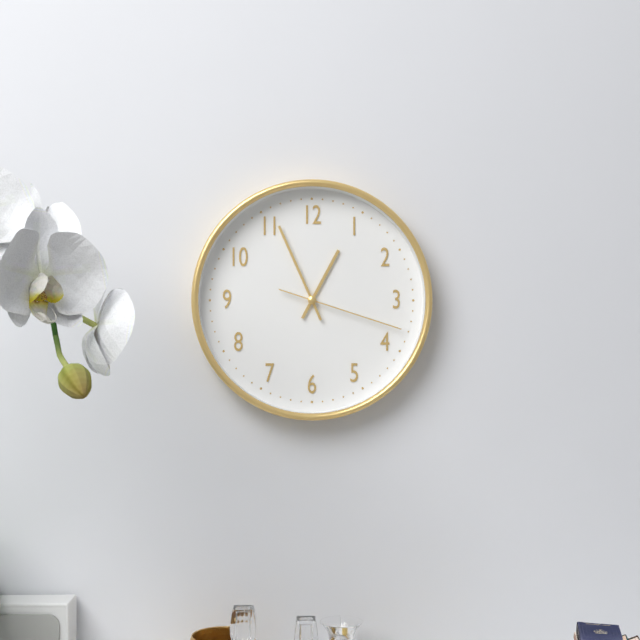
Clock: 12.56.18
